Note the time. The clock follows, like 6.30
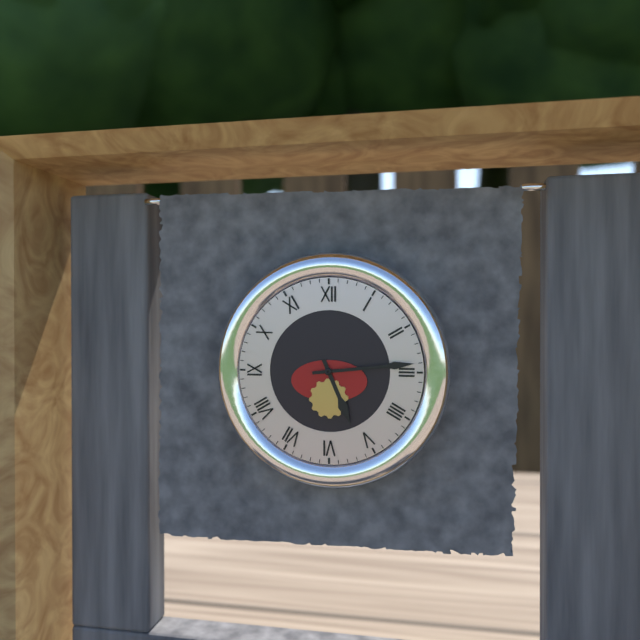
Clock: 5.14
